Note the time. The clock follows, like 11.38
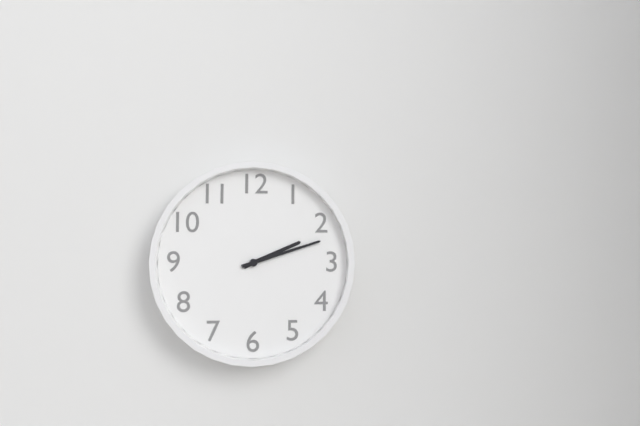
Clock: 2.12
